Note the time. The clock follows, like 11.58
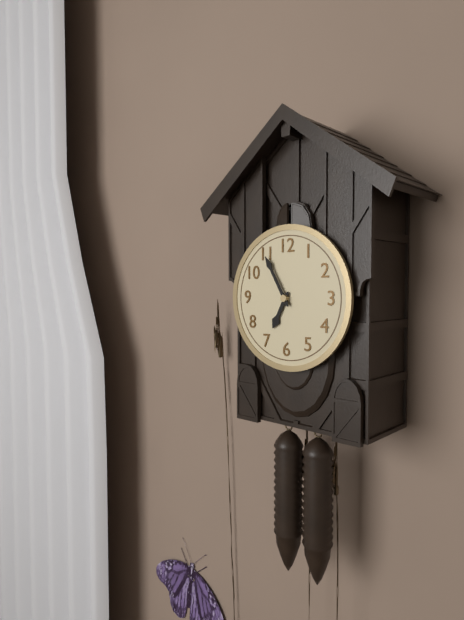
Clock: 6.55
